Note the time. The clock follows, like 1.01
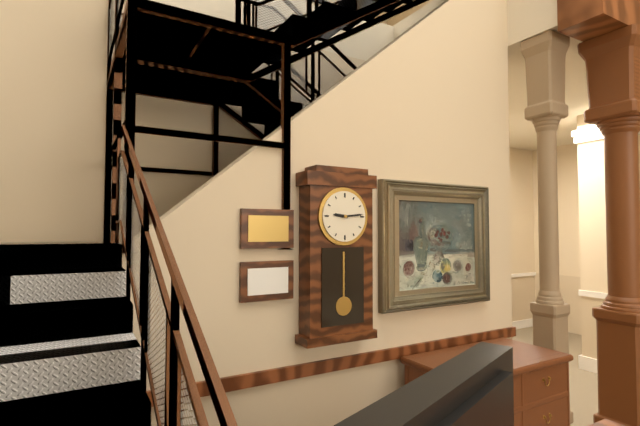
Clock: 9.14
